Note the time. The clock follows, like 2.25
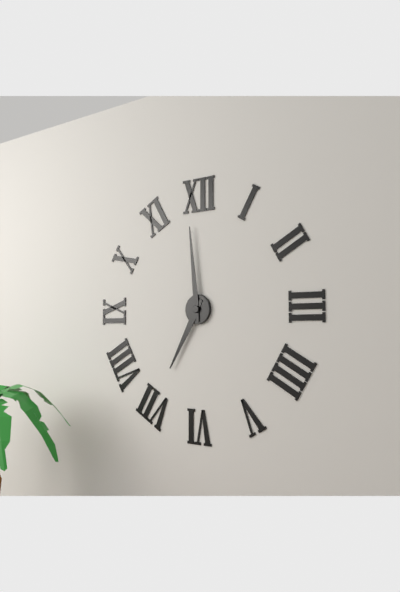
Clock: 6.59
